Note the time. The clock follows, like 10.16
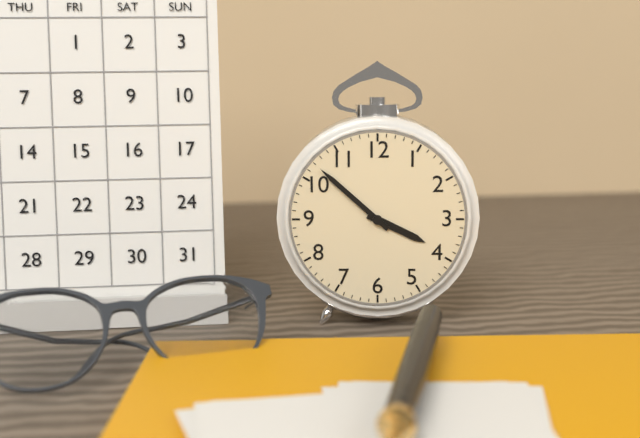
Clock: 3.52
